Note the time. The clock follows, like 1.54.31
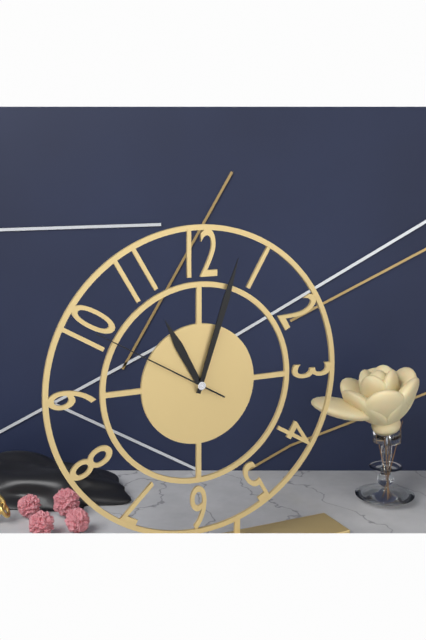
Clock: 11.03.50
